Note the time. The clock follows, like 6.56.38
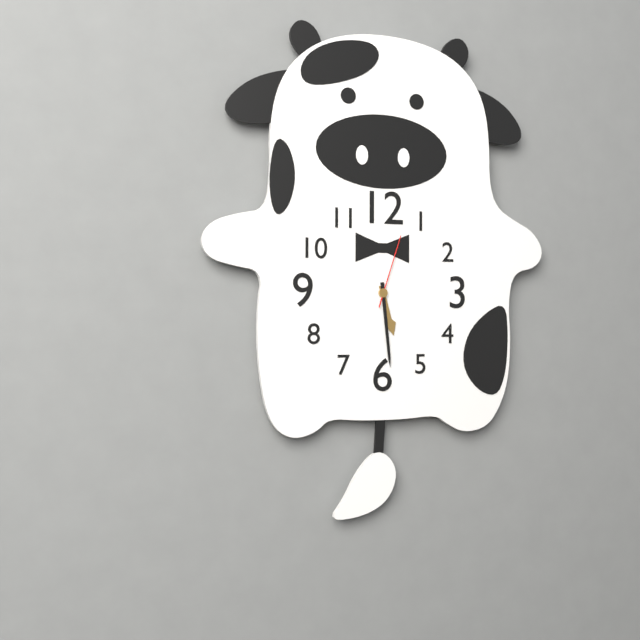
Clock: 5.29.03
